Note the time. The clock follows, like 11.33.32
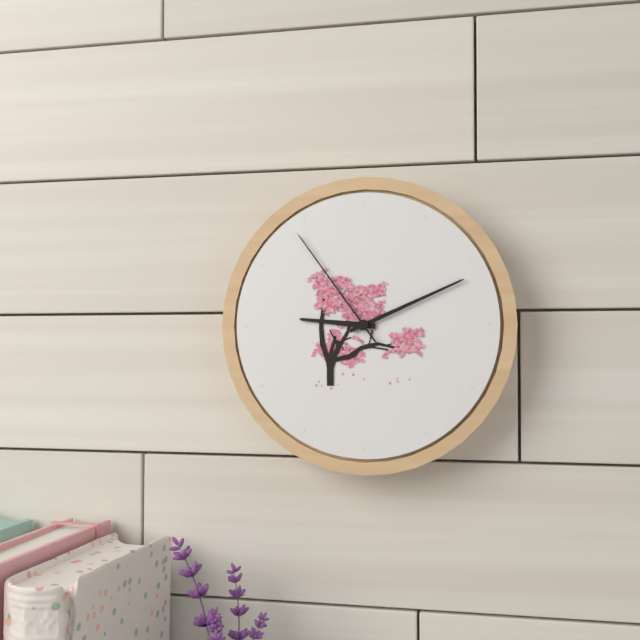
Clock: 9.11.54
